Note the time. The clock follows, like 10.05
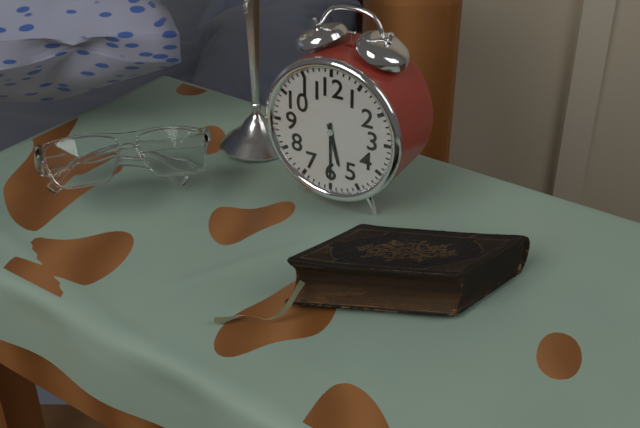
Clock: 5.30
